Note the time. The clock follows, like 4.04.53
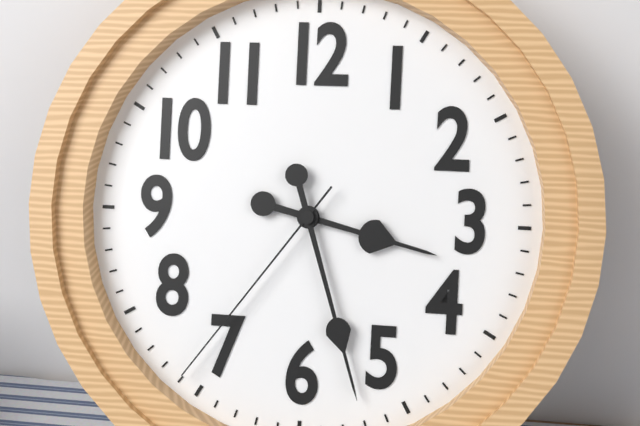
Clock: 3.27.36
